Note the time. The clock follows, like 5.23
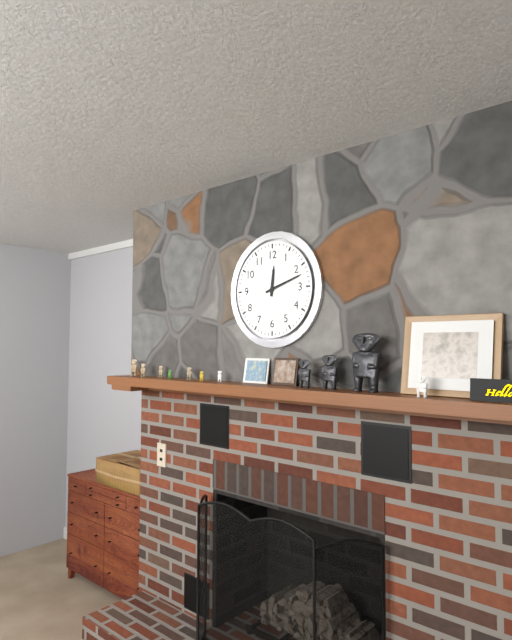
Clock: 12.12
